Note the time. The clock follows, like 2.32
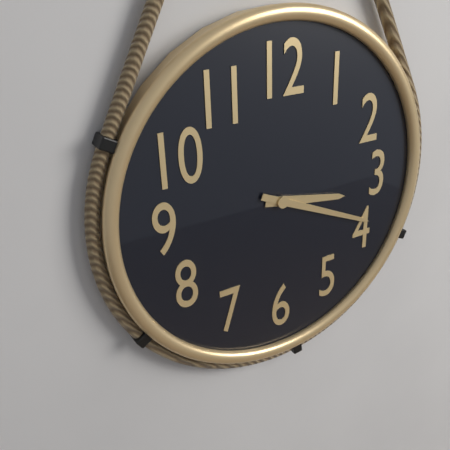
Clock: 3.19
